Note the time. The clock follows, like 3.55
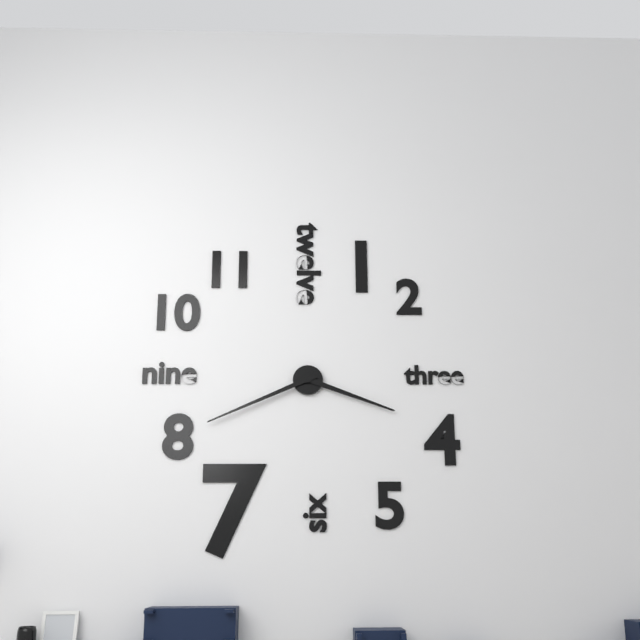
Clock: 3.41
